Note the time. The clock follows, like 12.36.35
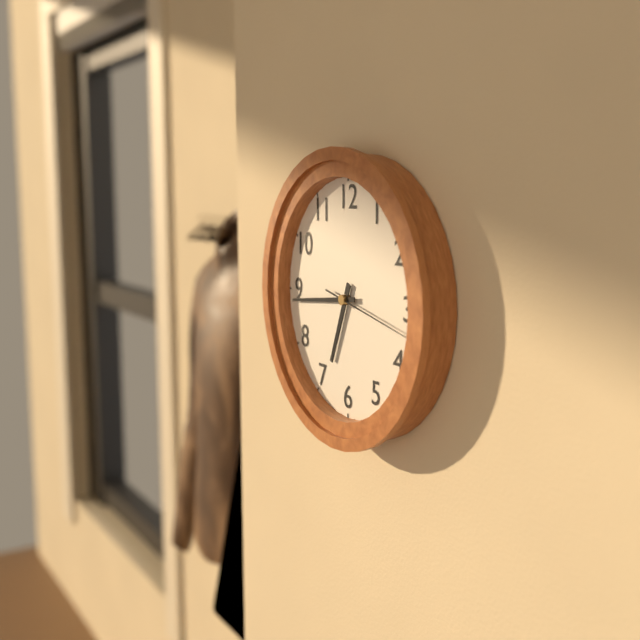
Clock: 6.44.17
